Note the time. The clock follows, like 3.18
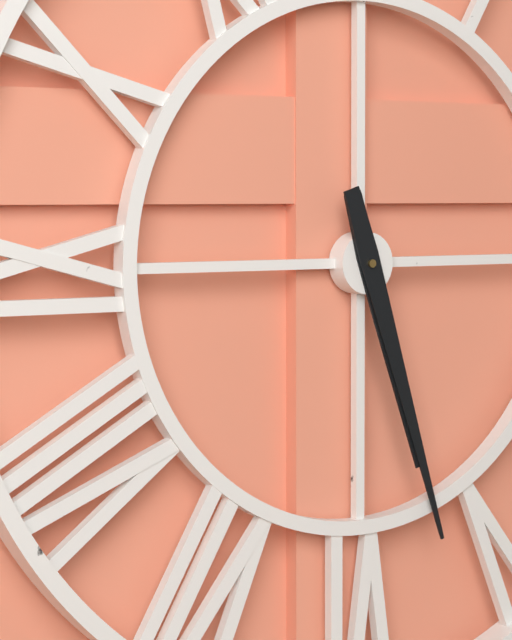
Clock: 5.27
